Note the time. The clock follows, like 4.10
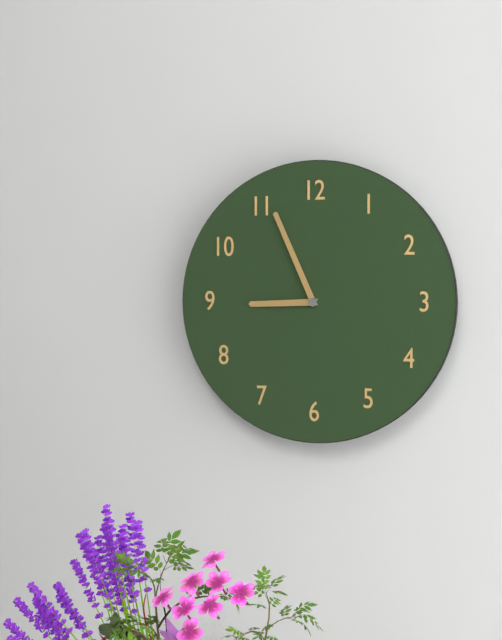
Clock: 8.56
